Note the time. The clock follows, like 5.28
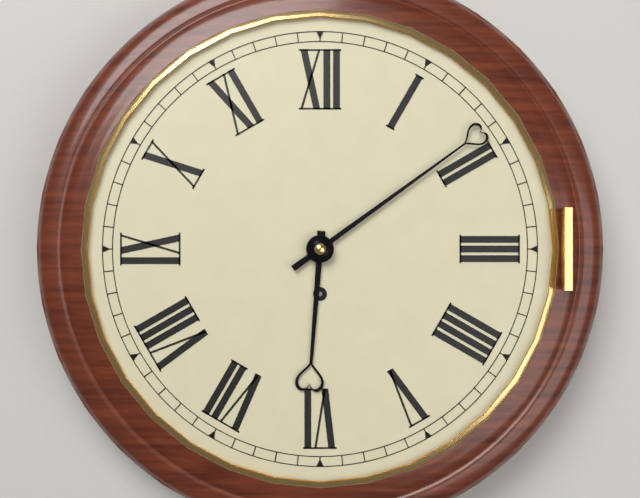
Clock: 6.09
